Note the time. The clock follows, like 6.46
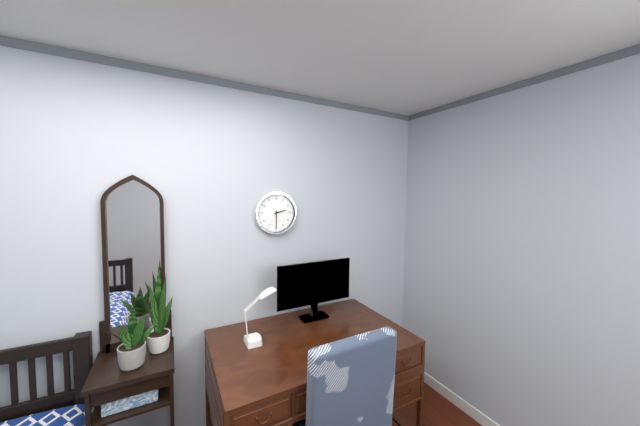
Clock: 2.30
